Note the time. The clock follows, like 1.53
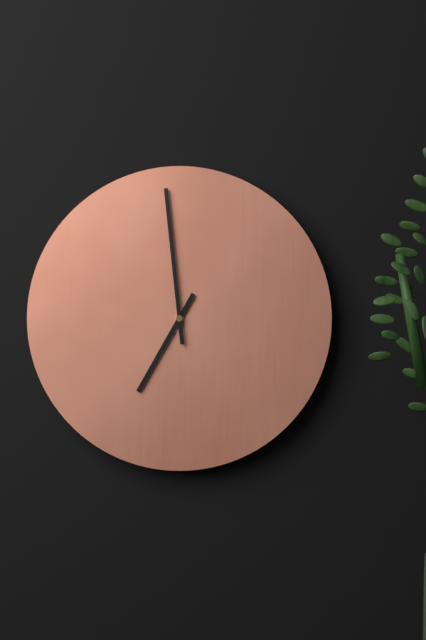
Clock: 6.59
